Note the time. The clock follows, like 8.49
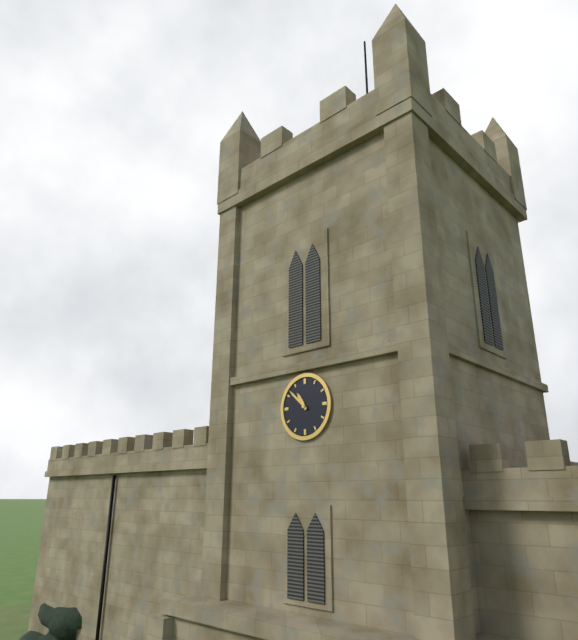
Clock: 10.52
